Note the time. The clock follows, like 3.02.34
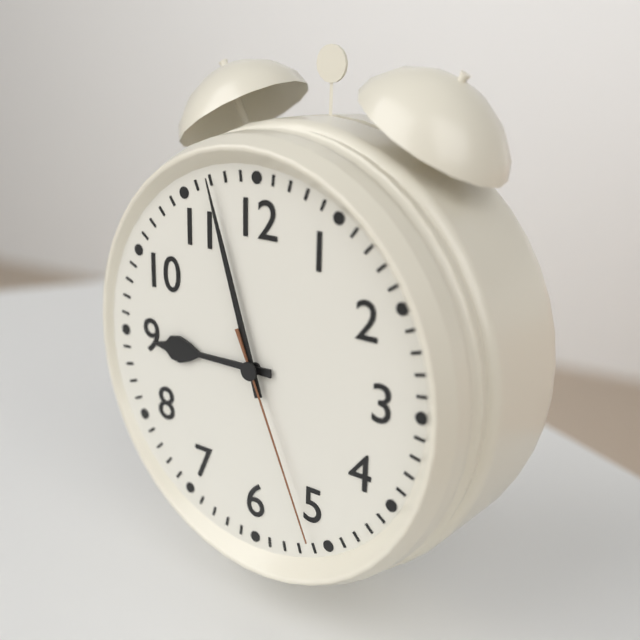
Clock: 8.57.26
